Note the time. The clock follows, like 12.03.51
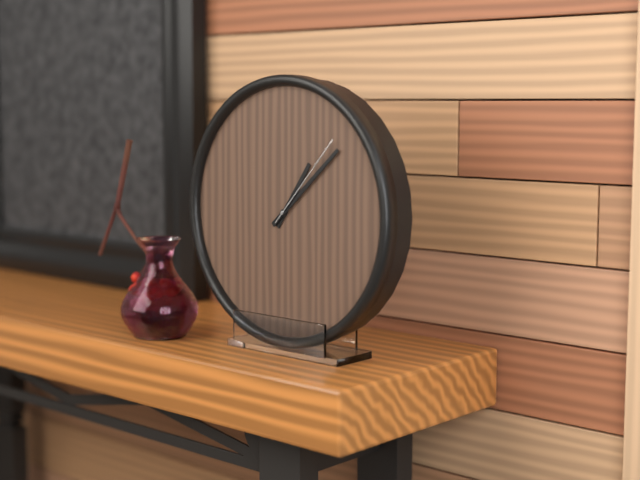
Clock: 1.08.07
